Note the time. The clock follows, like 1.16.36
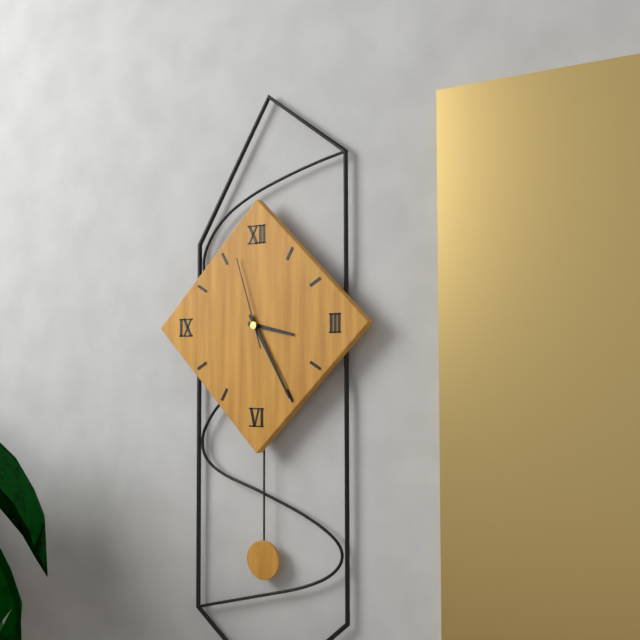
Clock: 3.25.57
